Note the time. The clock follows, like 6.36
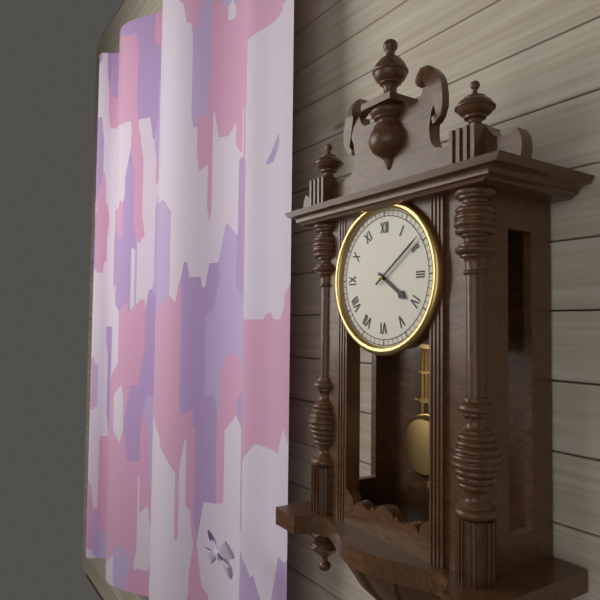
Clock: 4.09
